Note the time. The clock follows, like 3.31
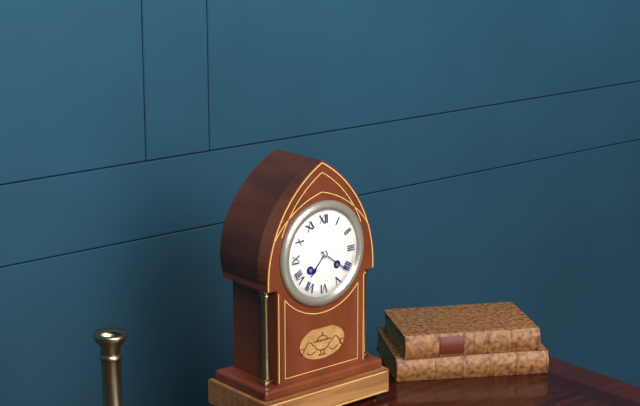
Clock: 7.21
